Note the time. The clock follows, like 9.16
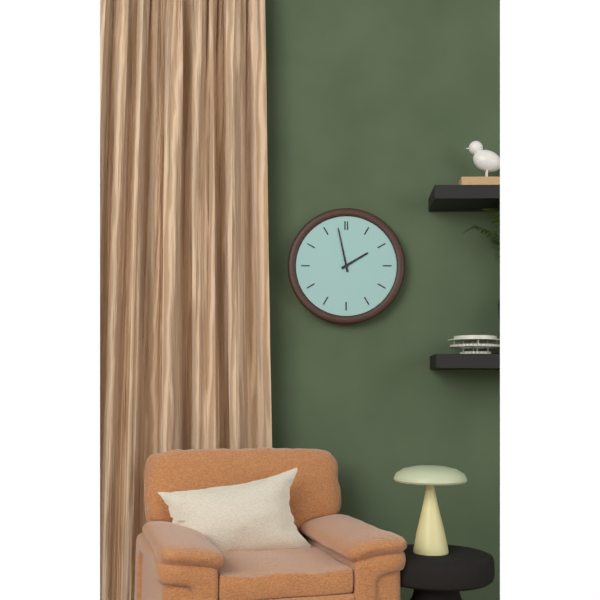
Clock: 1.58
